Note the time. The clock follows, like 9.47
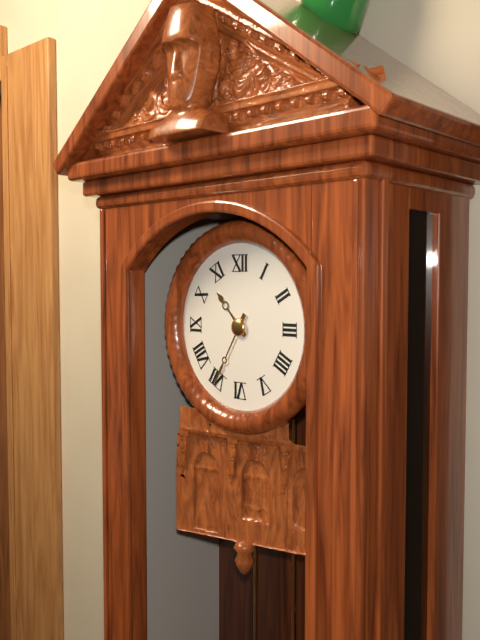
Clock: 10.35
